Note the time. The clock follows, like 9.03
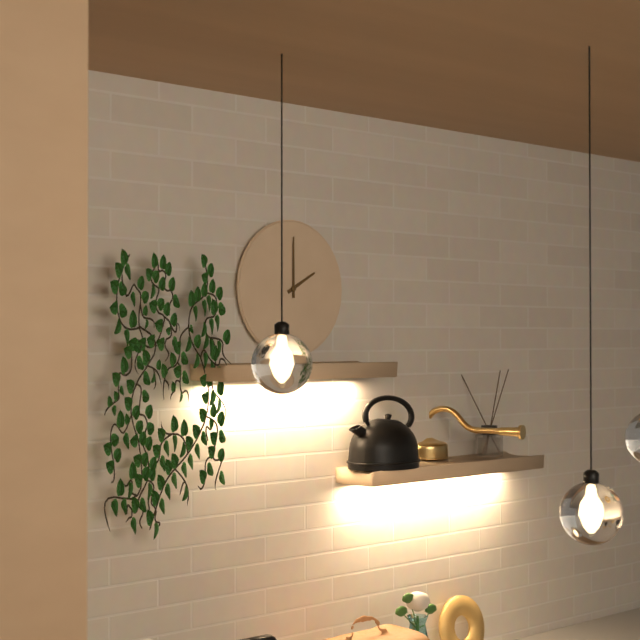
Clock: 2.00
